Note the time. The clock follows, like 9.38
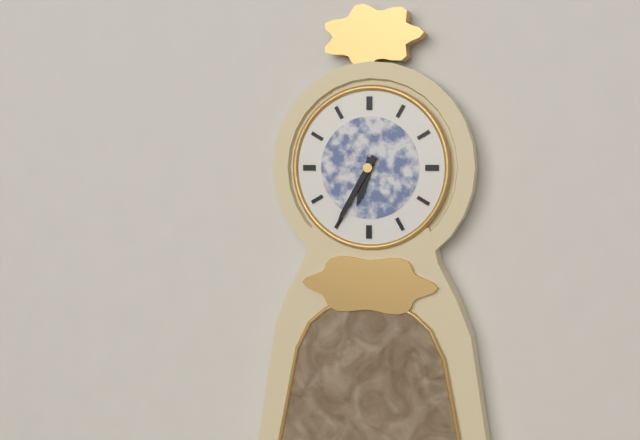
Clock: 6.35
